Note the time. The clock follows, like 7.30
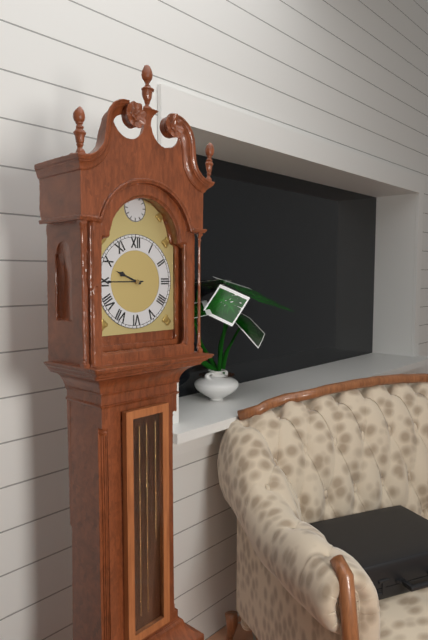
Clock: 9.45
